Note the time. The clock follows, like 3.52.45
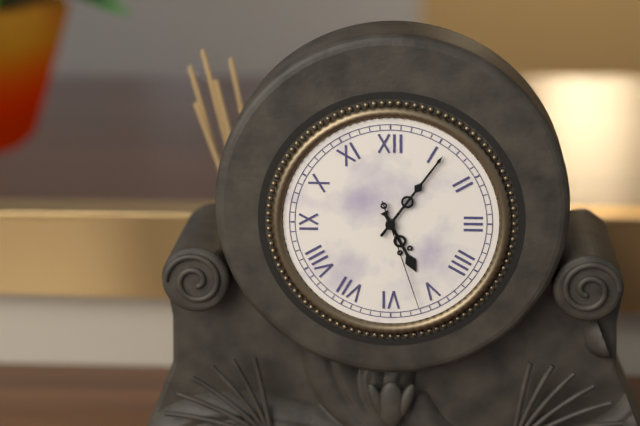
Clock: 5.06.27
